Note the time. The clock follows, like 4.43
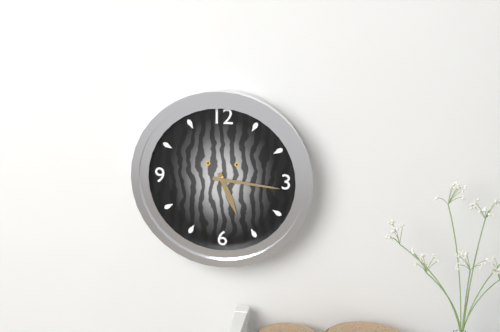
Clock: 5.16
